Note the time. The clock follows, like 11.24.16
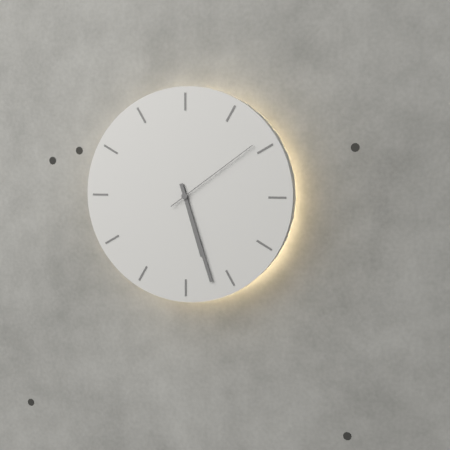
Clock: 5.27.09
